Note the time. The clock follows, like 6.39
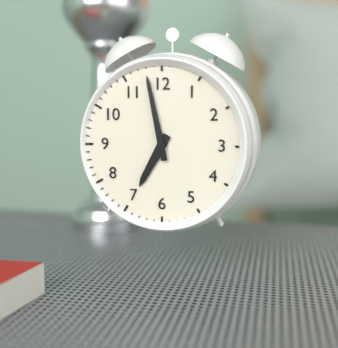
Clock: 6.58
